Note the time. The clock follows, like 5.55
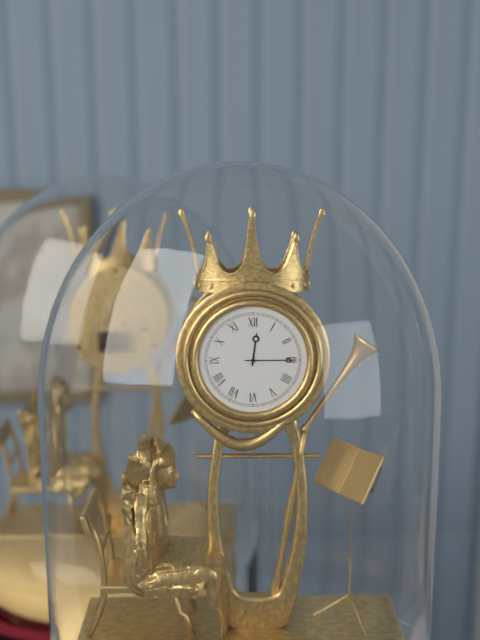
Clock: 12.15
